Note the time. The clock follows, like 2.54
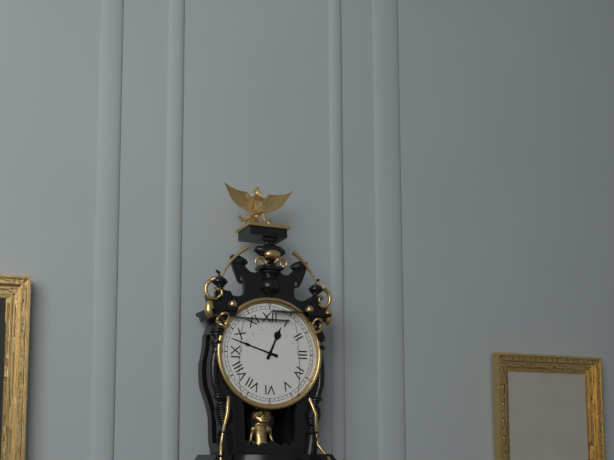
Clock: 12.48
